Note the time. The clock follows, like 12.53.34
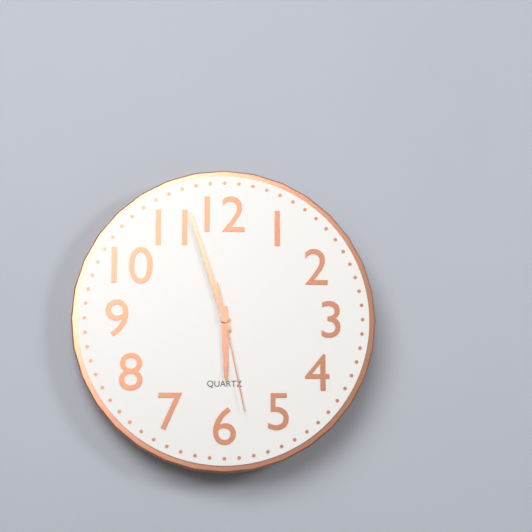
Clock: 5.57.28
